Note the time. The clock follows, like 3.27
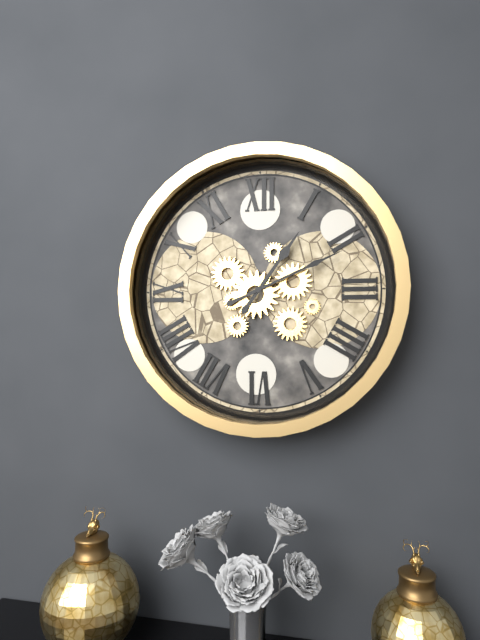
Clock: 1.11
